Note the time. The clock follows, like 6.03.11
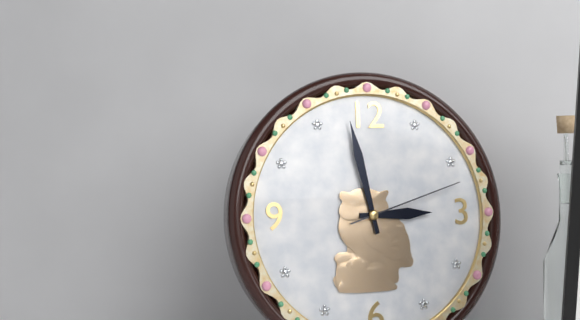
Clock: 2.58.12
